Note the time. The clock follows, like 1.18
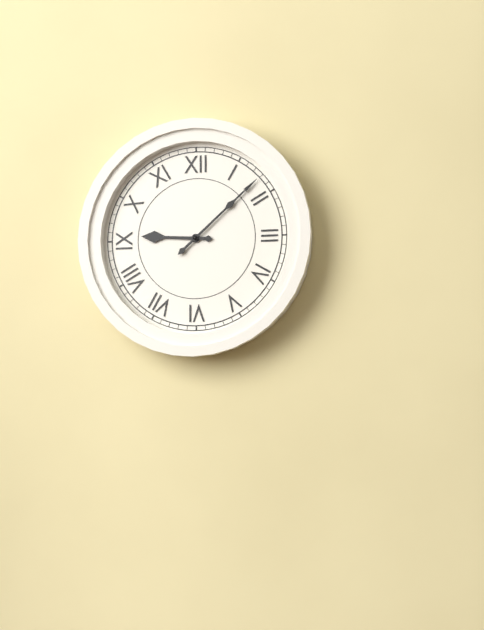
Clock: 9.08
